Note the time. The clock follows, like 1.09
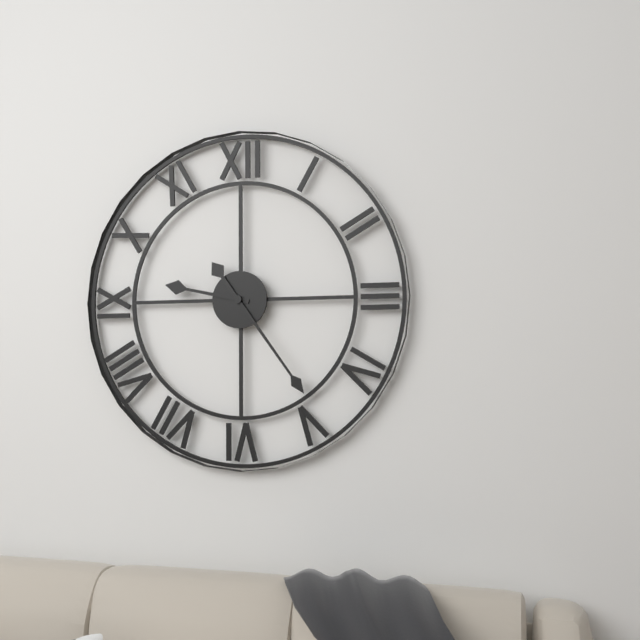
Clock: 9.24
